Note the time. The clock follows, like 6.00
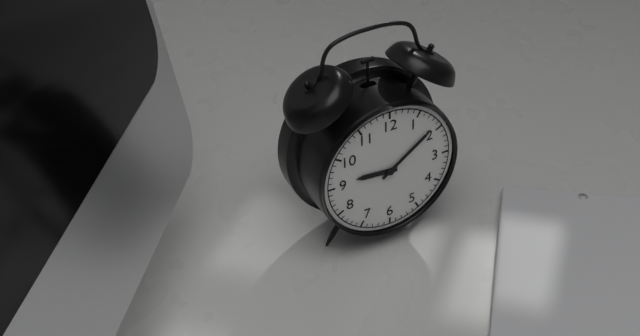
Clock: 9.09
